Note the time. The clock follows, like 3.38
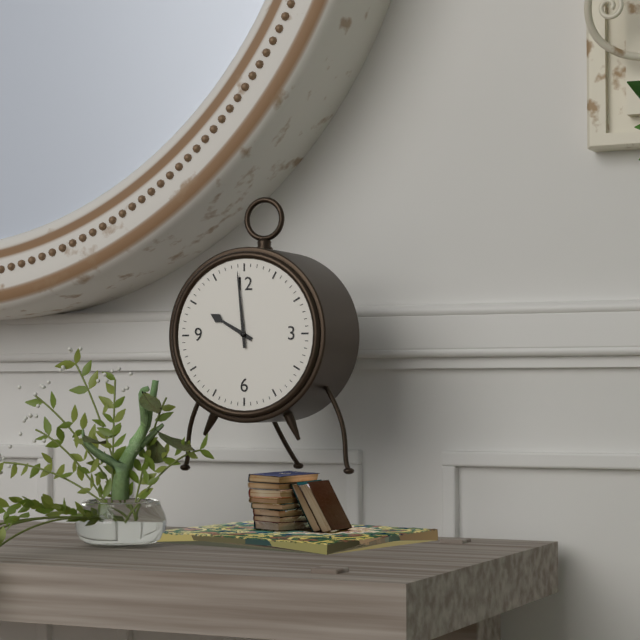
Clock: 9.59
